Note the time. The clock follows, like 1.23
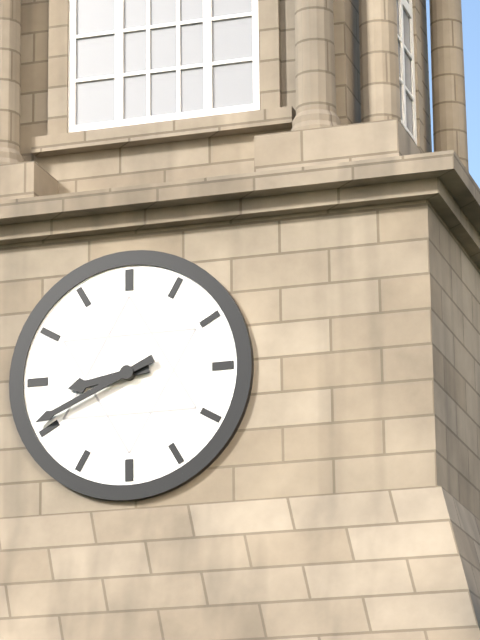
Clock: 8.41
